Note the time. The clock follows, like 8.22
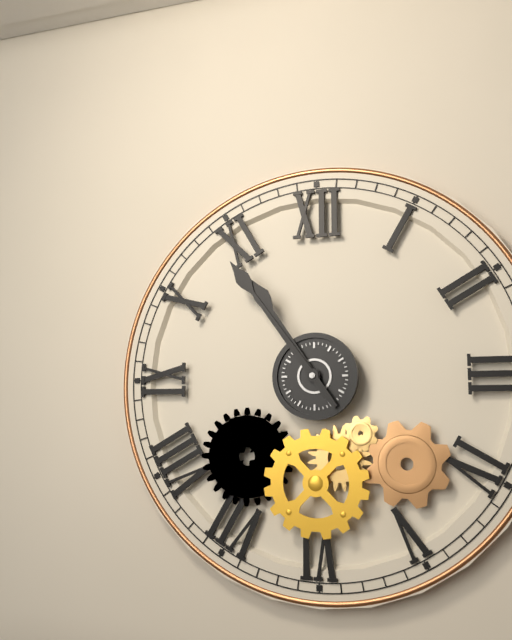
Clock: 10.54
